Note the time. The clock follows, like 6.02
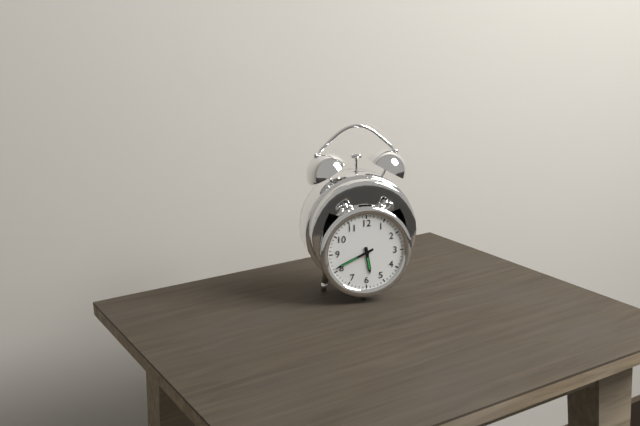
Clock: 5.41
